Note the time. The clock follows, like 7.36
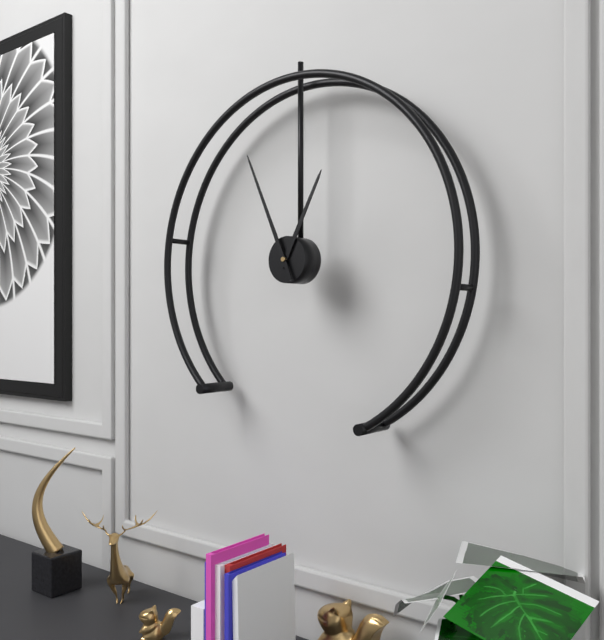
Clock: 12.56
